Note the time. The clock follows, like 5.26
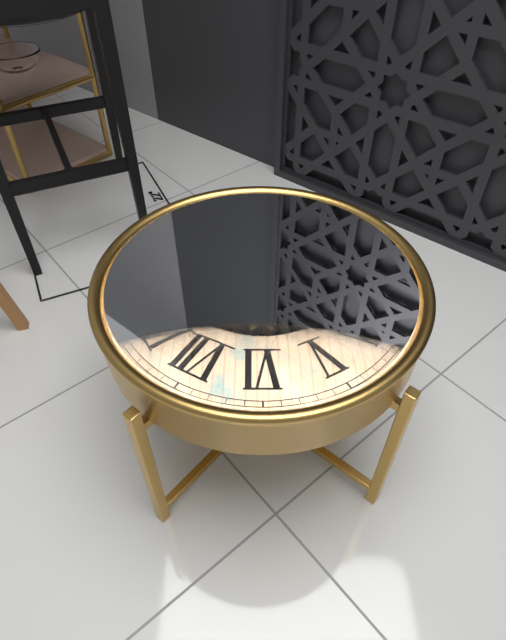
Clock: 11.52
